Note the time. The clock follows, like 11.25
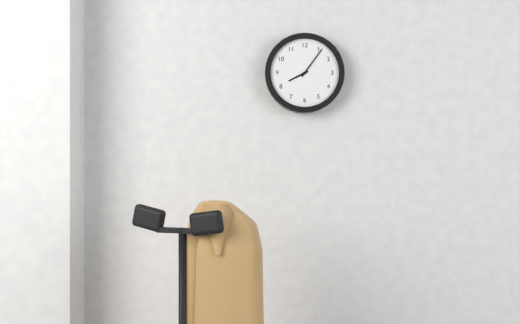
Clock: 8.06
